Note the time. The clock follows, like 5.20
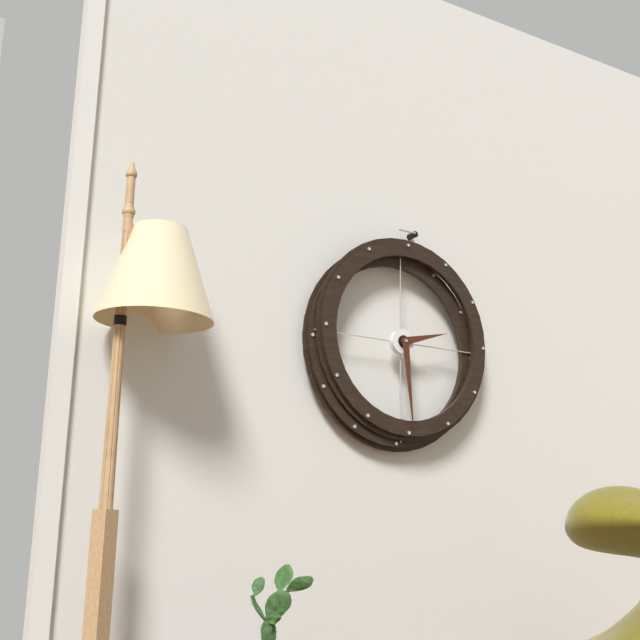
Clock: 2.29
